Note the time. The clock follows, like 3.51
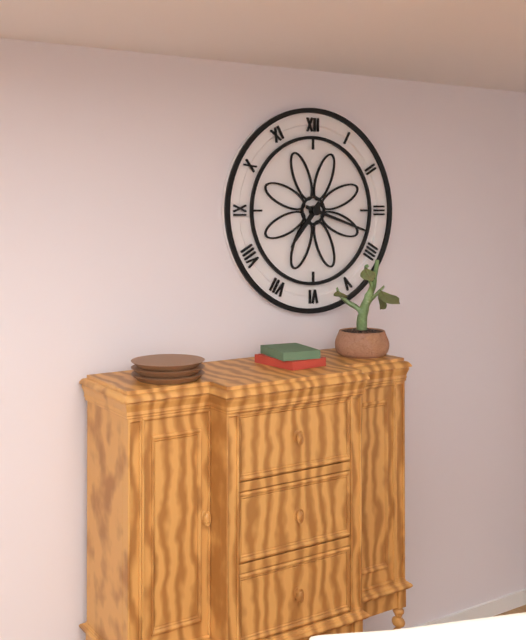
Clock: 7.18
